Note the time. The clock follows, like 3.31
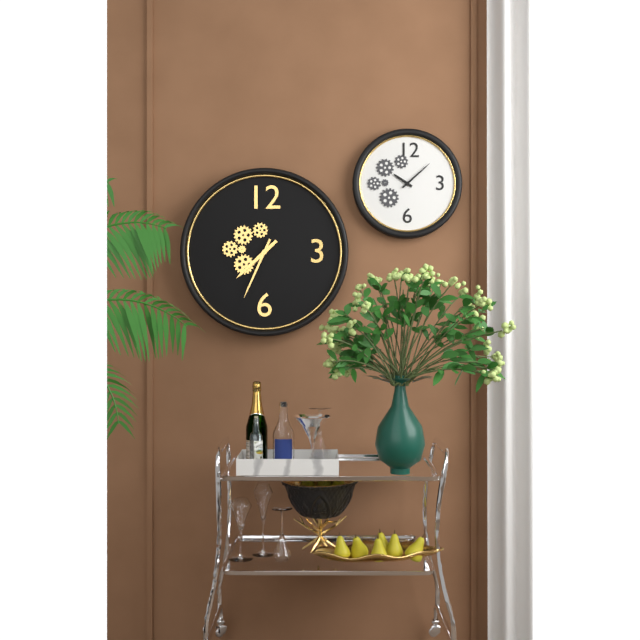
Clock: 7.34
